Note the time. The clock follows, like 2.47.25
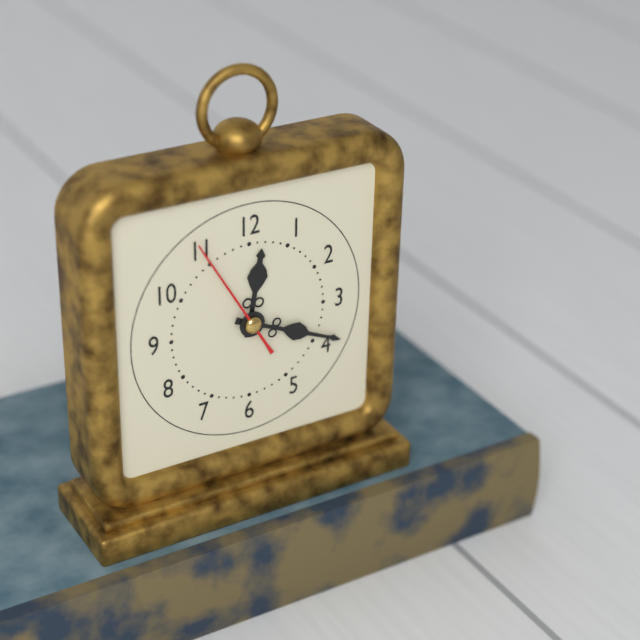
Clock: 12.19.55
